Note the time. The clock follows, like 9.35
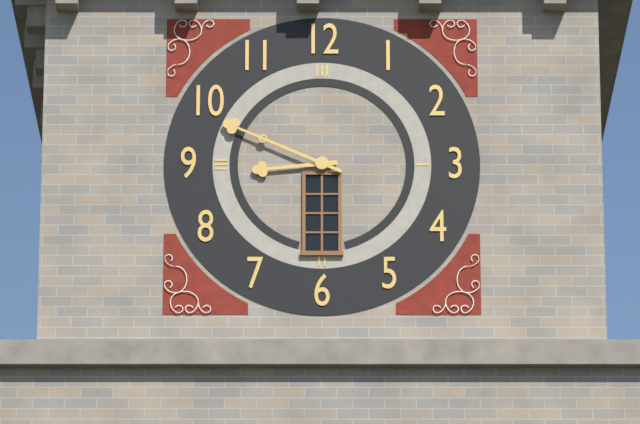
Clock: 8.49
